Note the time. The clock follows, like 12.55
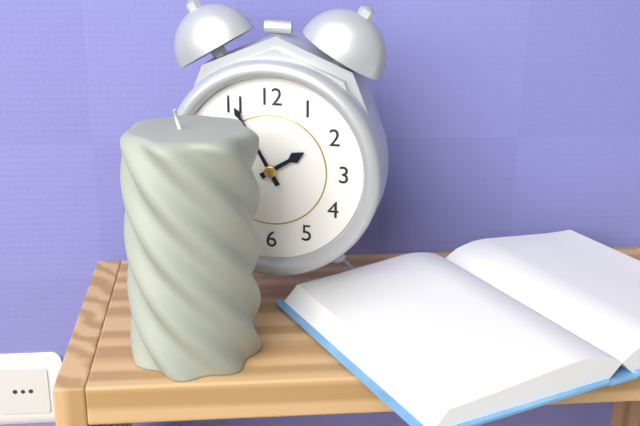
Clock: 1.55
